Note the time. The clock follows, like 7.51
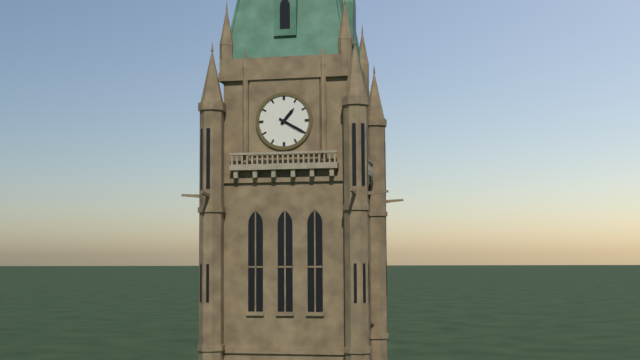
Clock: 1.20
